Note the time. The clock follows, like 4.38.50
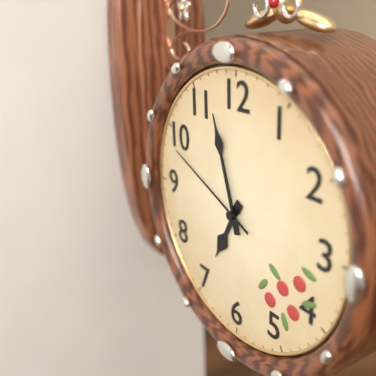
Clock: 6.57.49
